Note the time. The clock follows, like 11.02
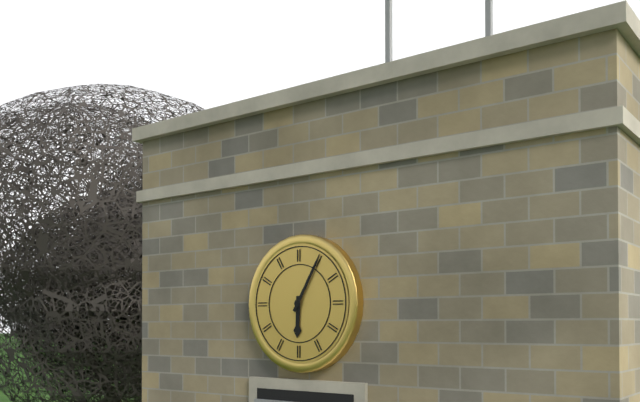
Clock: 6.05
